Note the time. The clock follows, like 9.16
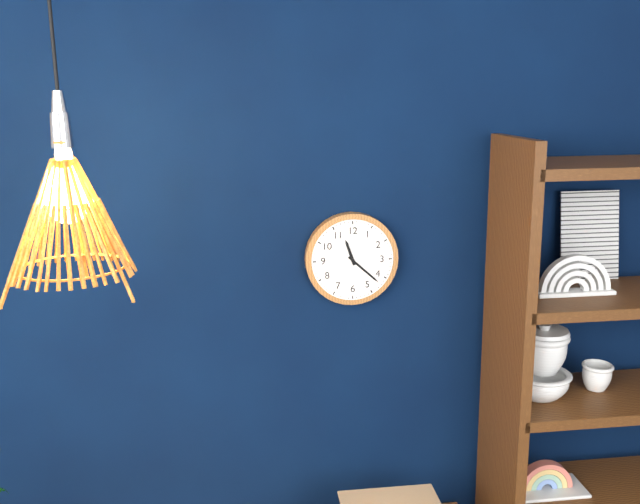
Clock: 11.22
